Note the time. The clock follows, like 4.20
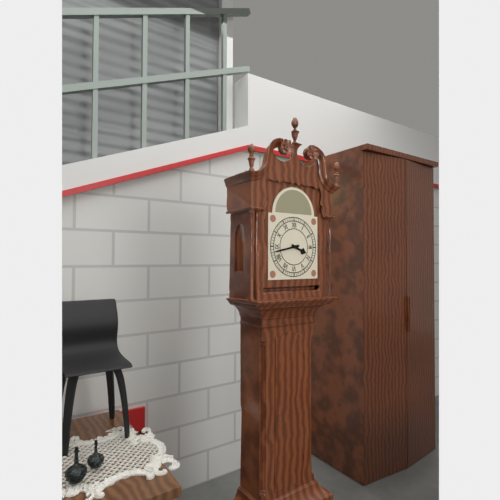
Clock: 3.43
